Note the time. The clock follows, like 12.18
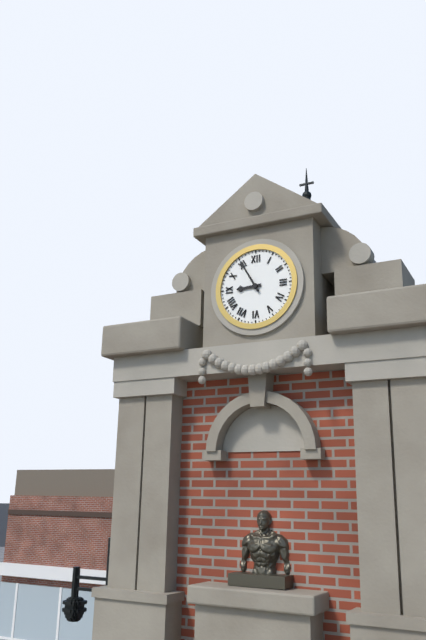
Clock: 8.55
